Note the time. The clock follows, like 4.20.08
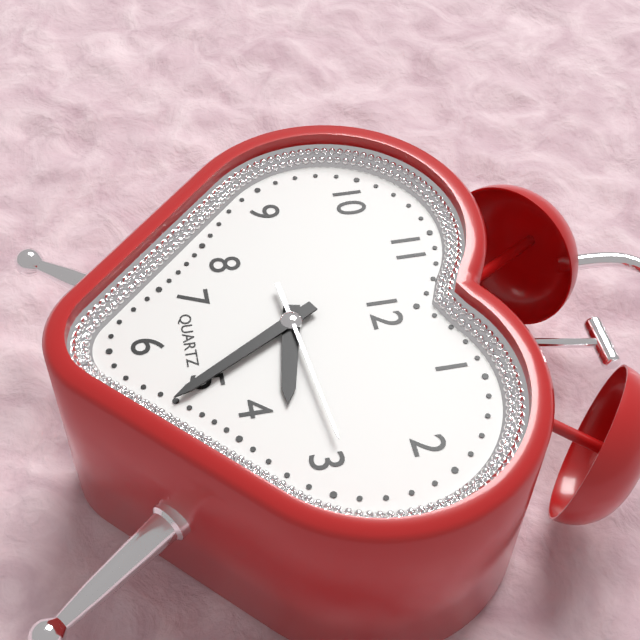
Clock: 3.25.14
